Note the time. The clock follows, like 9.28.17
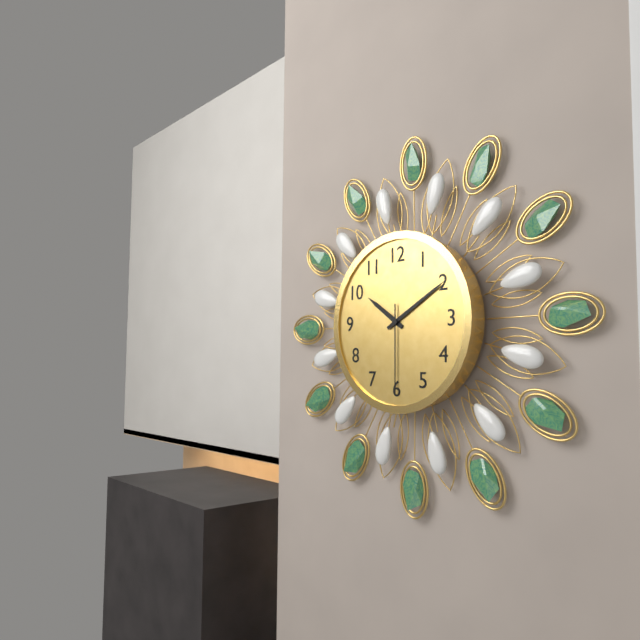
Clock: 10.10.30
